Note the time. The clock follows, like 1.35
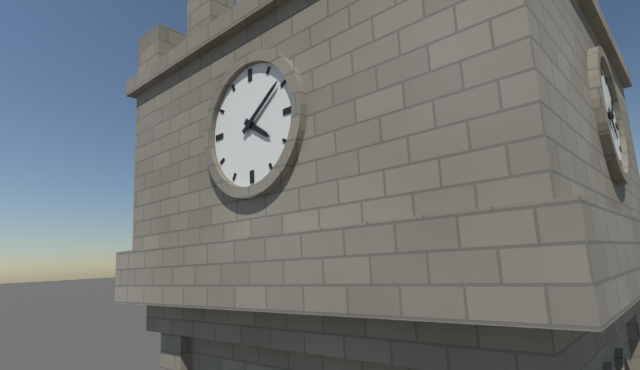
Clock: 4.09
